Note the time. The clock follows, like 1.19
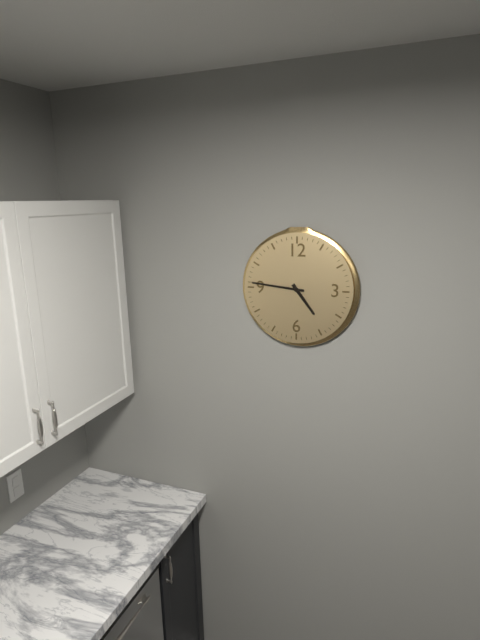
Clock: 4.46
